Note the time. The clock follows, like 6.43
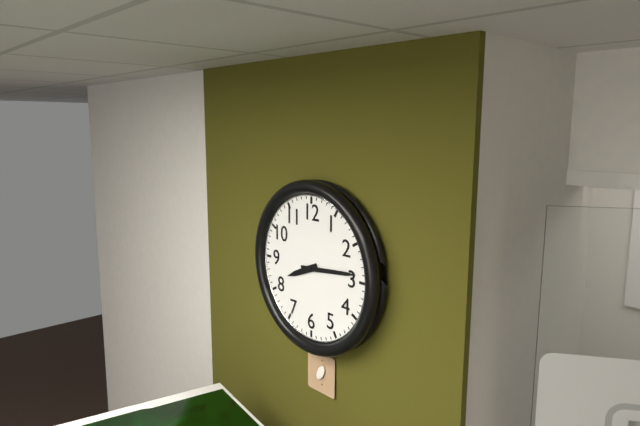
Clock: 8.14
